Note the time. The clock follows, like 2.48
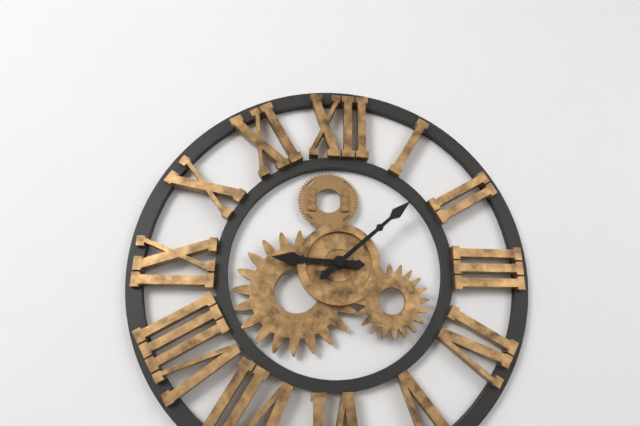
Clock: 9.08
